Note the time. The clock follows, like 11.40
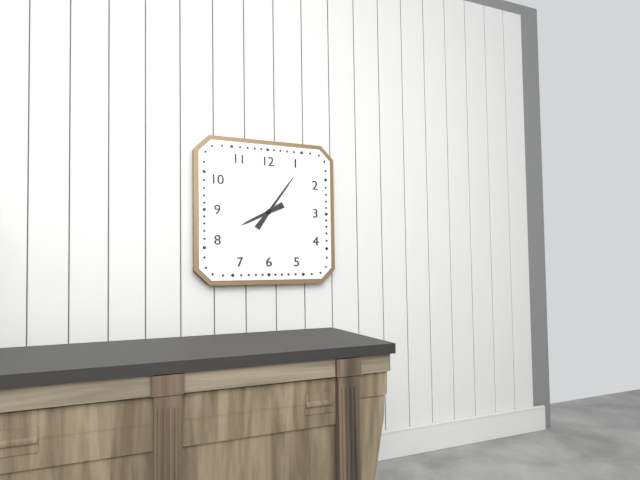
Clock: 8.06
